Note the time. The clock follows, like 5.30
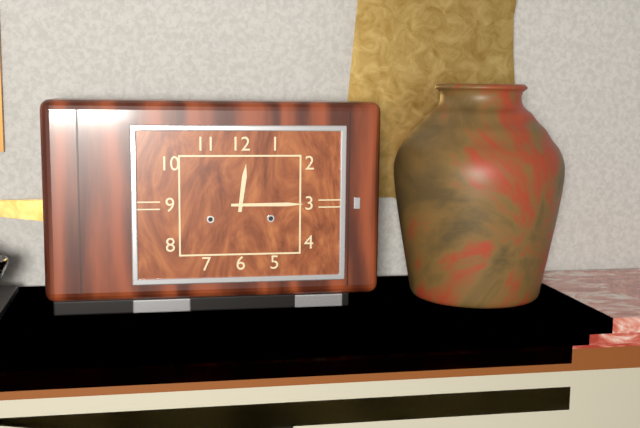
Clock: 12.15
